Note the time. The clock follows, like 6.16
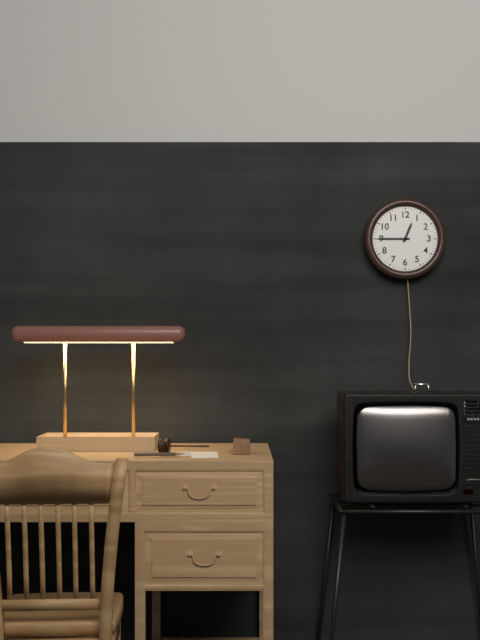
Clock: 12.45
